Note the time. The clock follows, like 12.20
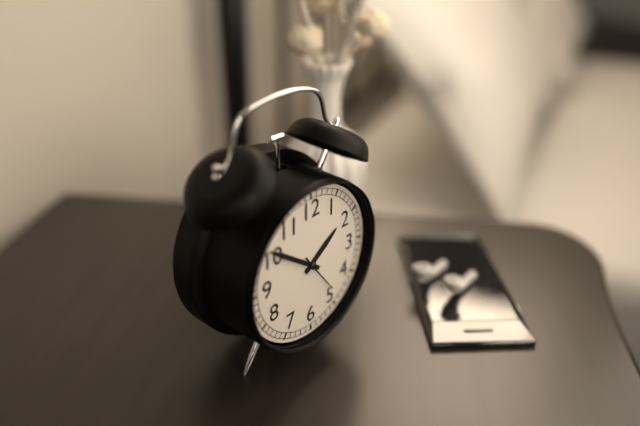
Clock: 1.51
